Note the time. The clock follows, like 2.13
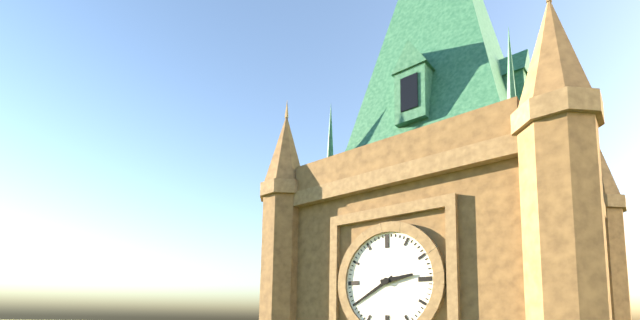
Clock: 2.40
